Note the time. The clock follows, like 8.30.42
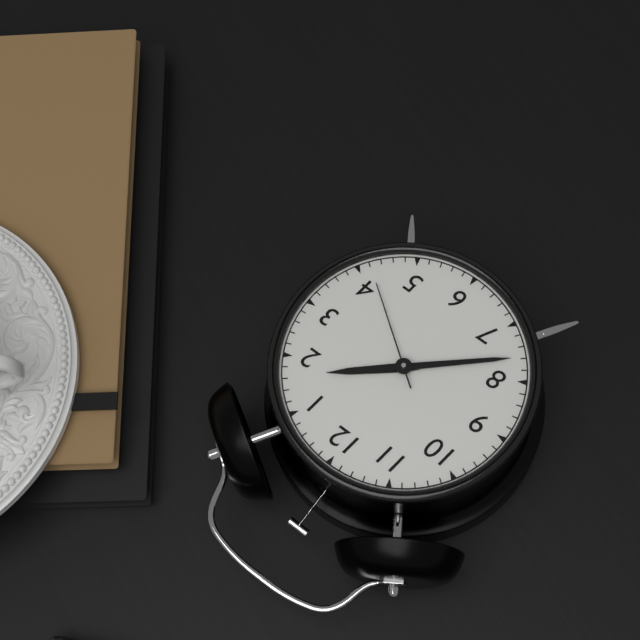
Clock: 1.38.21
